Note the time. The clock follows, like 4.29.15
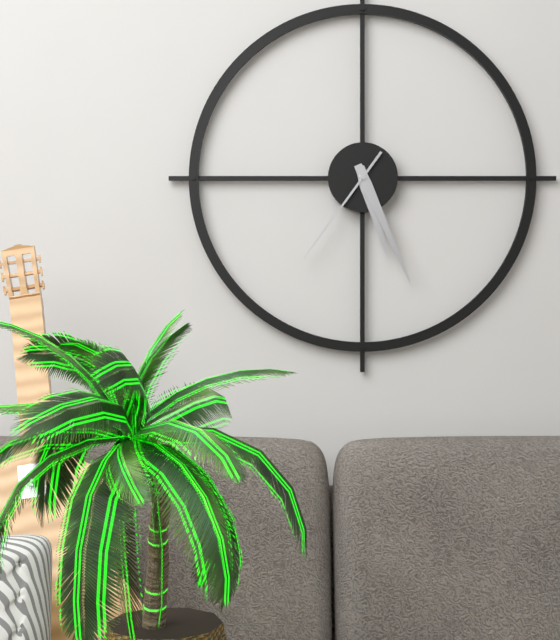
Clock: 5.26.36
